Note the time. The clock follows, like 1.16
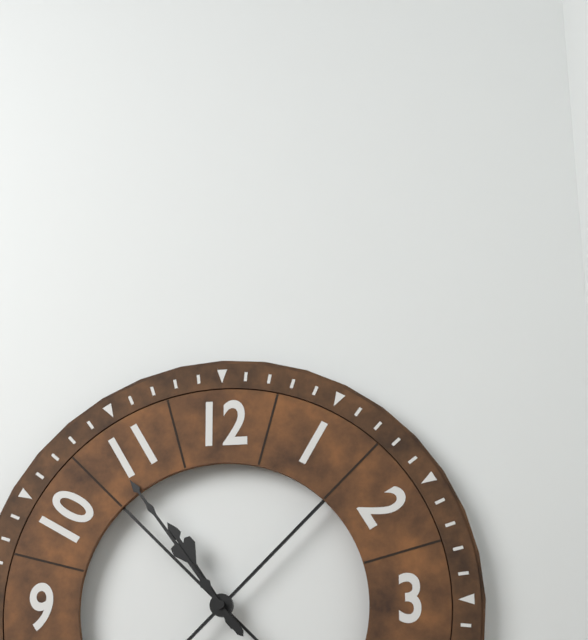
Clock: 10.54
